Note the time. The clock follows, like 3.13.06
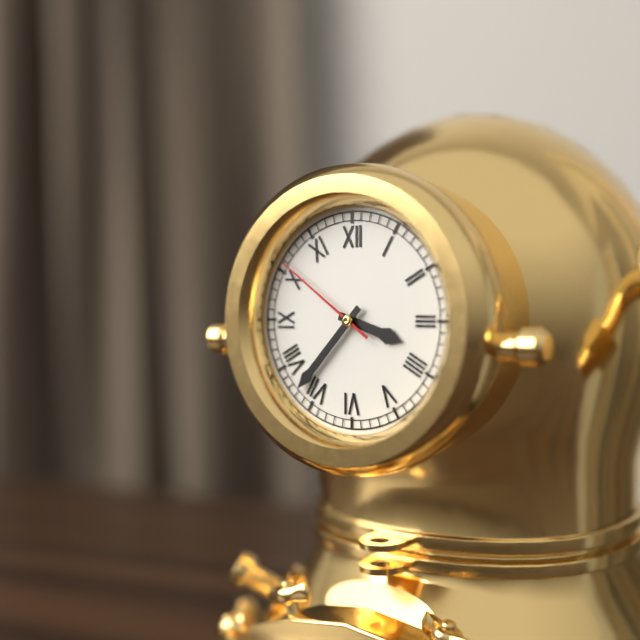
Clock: 3.37.51
